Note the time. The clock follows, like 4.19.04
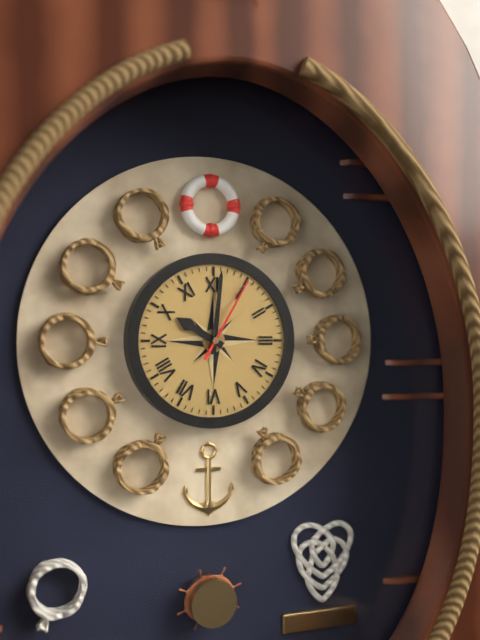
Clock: 10.01.05
